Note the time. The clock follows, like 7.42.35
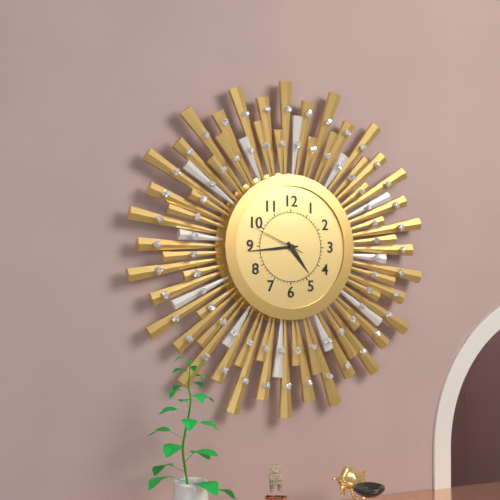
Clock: 4.44.49
